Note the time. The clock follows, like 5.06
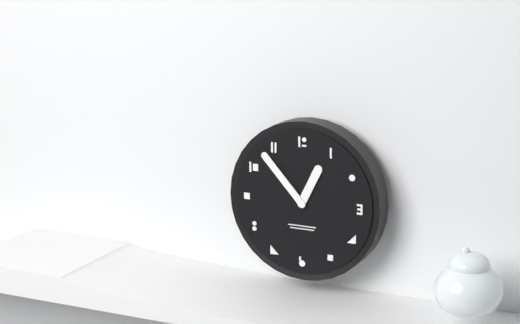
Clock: 12.53
